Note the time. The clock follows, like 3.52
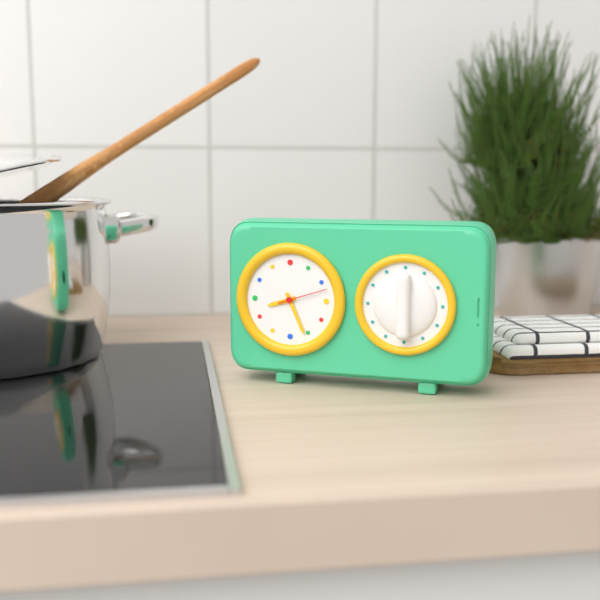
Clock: 8.26
